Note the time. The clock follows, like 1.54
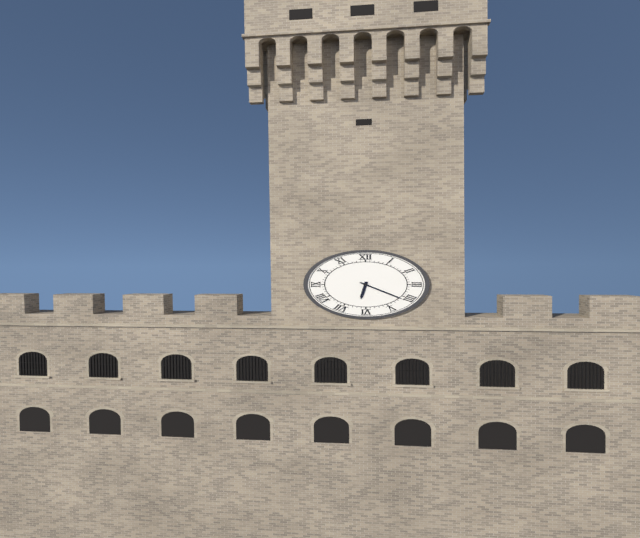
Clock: 6.21
